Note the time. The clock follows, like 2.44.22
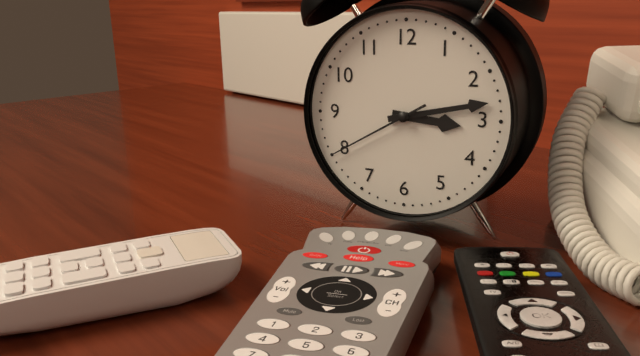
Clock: 3.13.40
